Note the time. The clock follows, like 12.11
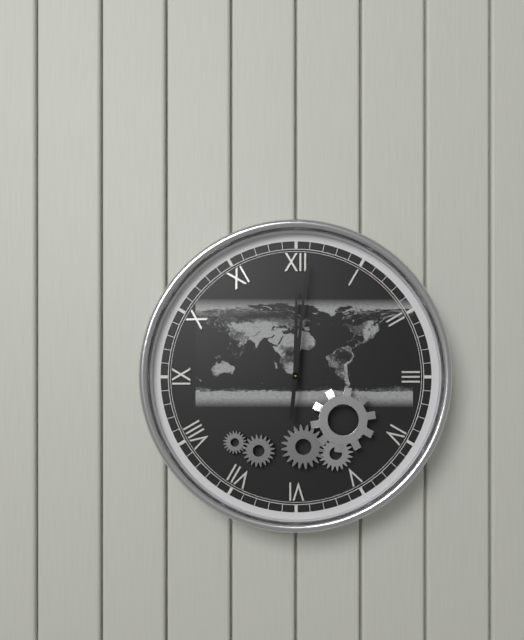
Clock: 12.01
